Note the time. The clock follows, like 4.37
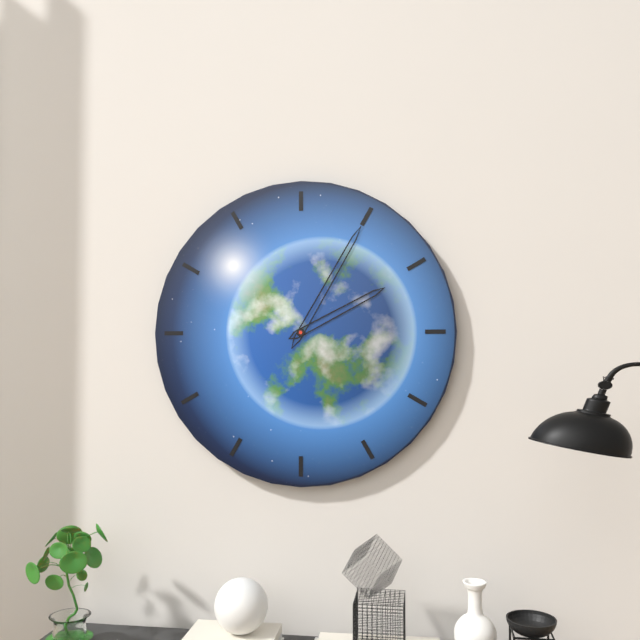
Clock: 2.05
